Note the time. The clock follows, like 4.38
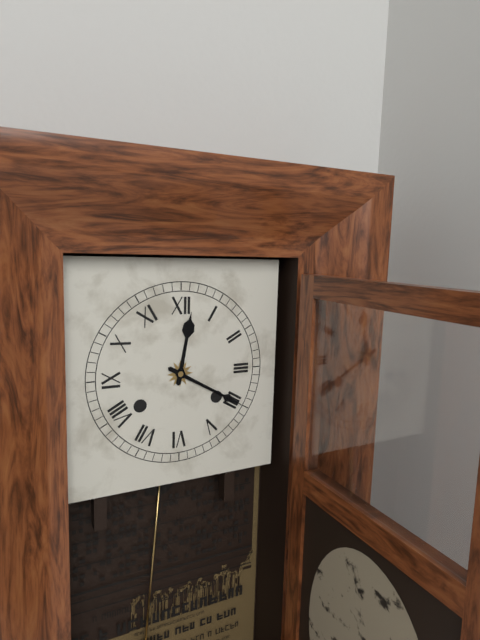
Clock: 12.20
